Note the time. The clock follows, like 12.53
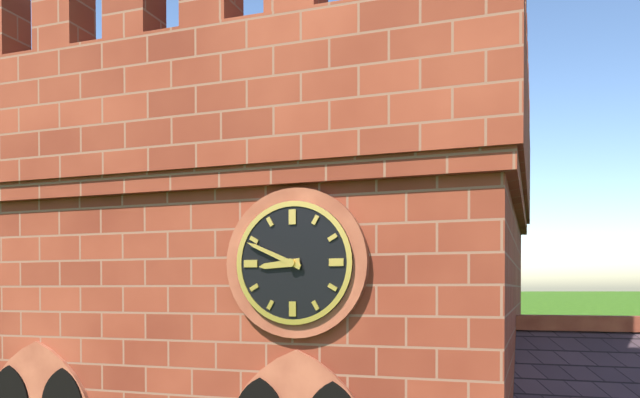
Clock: 8.49
